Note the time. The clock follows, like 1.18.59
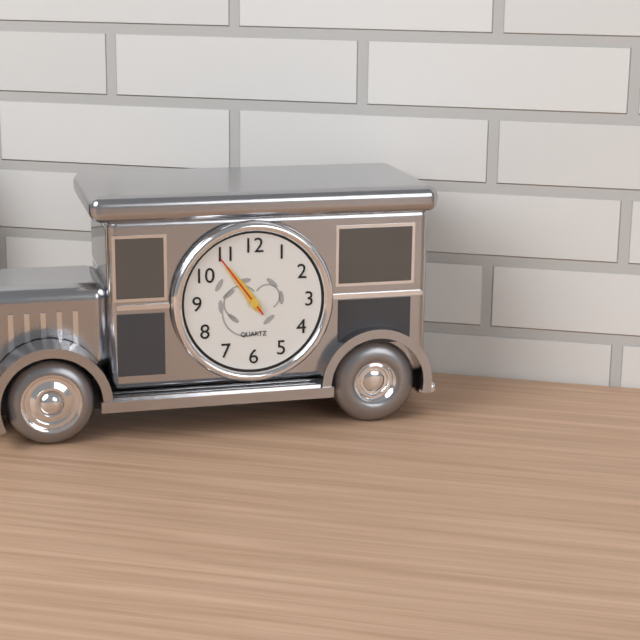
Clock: 10.54.54
